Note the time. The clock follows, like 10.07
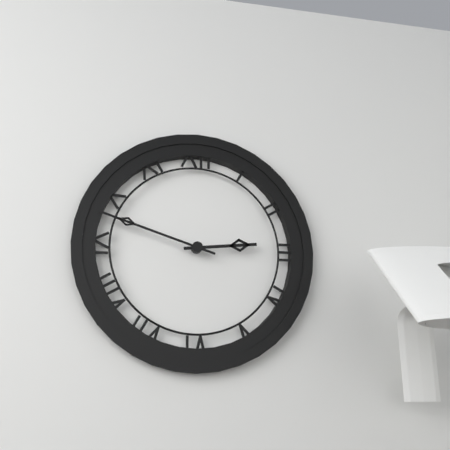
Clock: 2.48
